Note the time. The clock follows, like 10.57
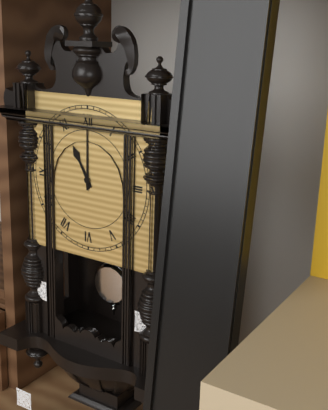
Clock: 11.00
